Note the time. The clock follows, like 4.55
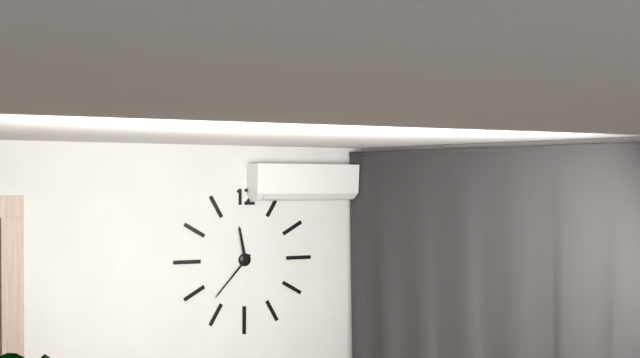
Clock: 11.37
